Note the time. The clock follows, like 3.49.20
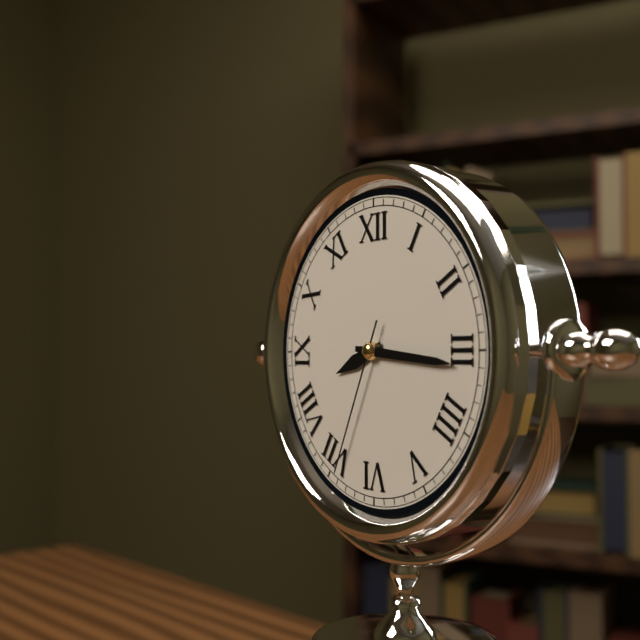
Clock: 8.16.34
